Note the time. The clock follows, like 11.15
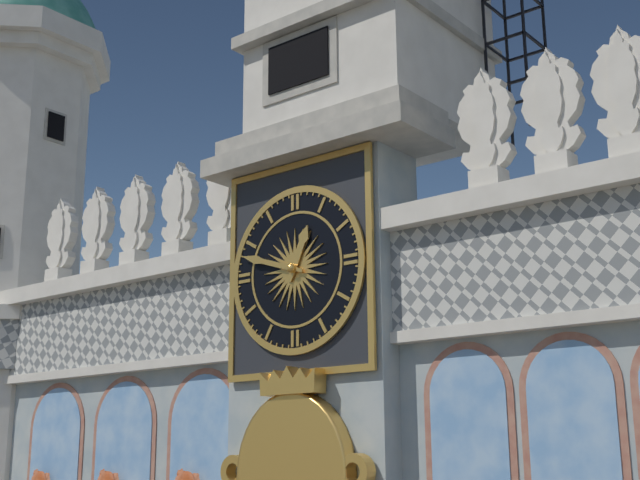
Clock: 12.48
